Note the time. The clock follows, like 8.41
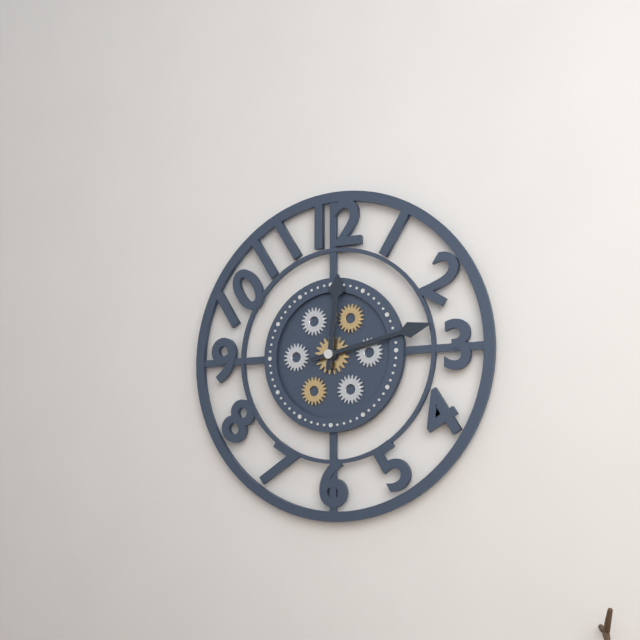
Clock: 12.13
